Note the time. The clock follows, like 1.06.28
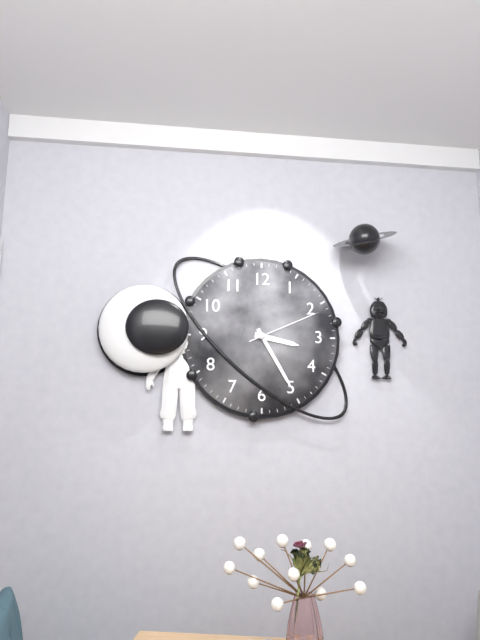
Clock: 3.25.11
